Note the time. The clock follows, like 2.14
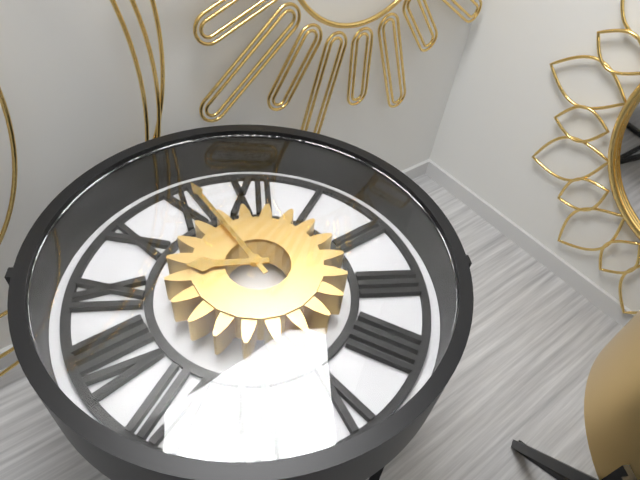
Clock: 8.55
